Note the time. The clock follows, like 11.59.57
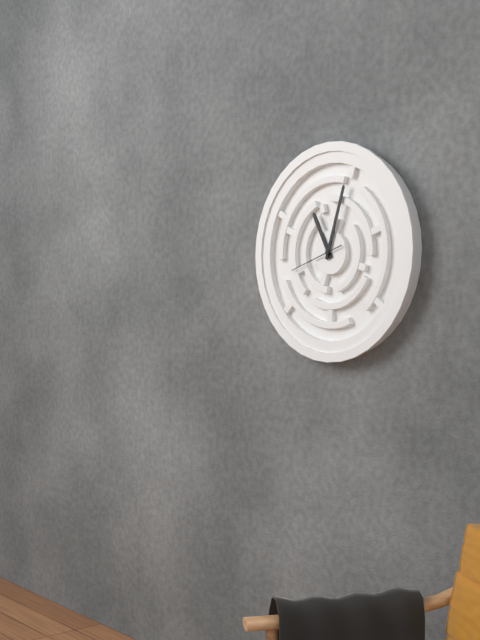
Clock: 11.03.42
